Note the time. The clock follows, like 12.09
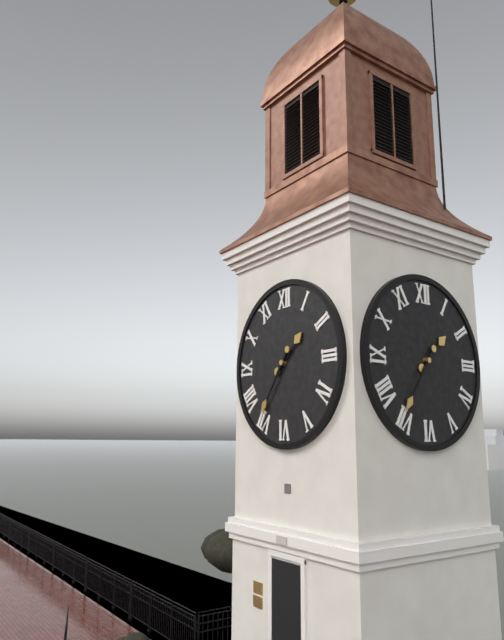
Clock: 1.36
